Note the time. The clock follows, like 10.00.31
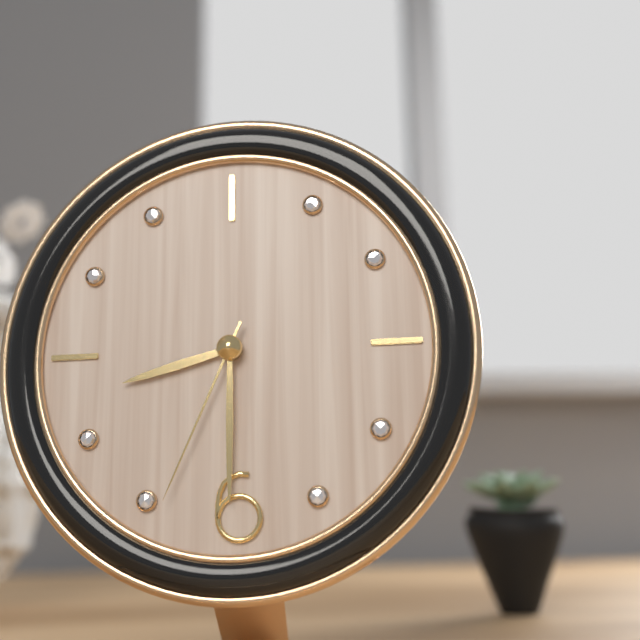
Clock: 8.30.34
